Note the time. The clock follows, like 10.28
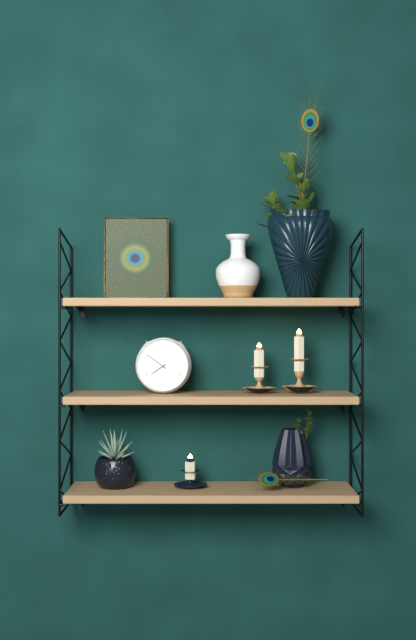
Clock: 7.51
